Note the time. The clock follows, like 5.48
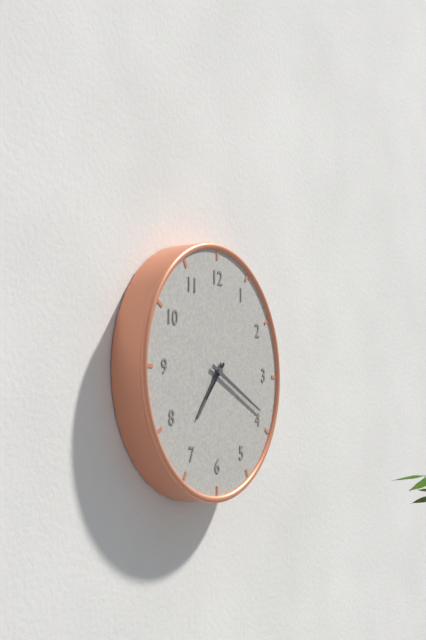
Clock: 7.19
